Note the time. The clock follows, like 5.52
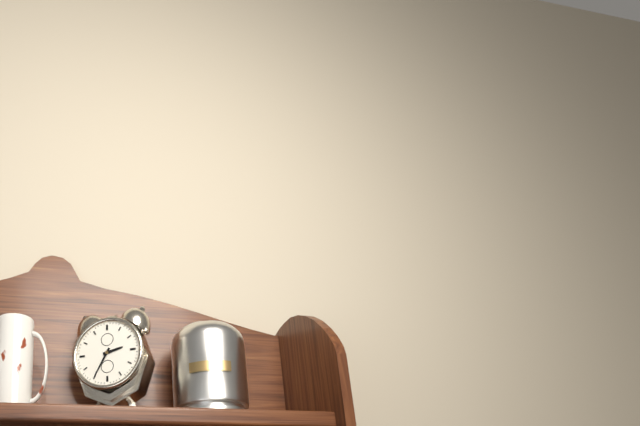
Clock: 2.35
